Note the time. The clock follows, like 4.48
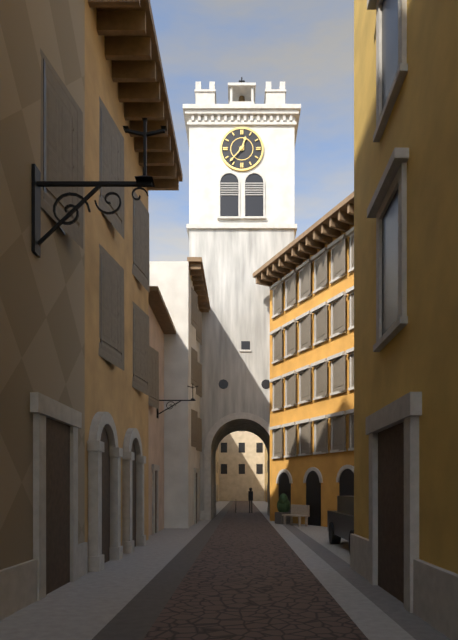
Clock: 12.37
